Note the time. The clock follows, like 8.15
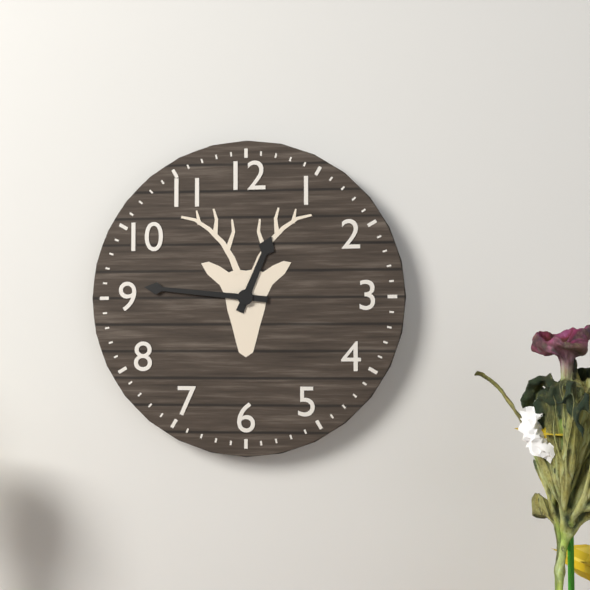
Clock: 12.46
